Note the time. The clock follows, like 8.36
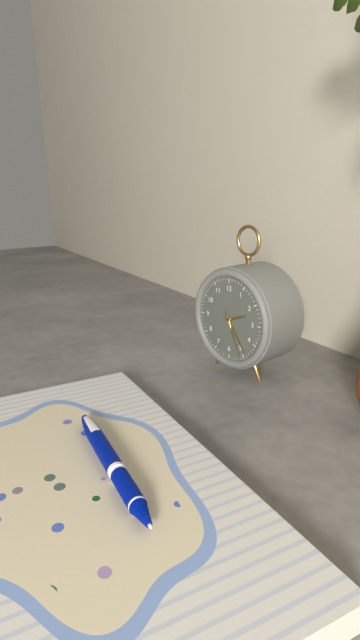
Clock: 2.24
